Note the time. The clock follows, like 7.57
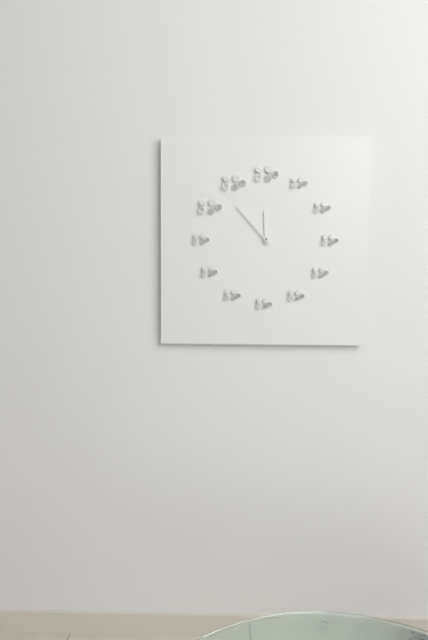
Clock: 11.53
